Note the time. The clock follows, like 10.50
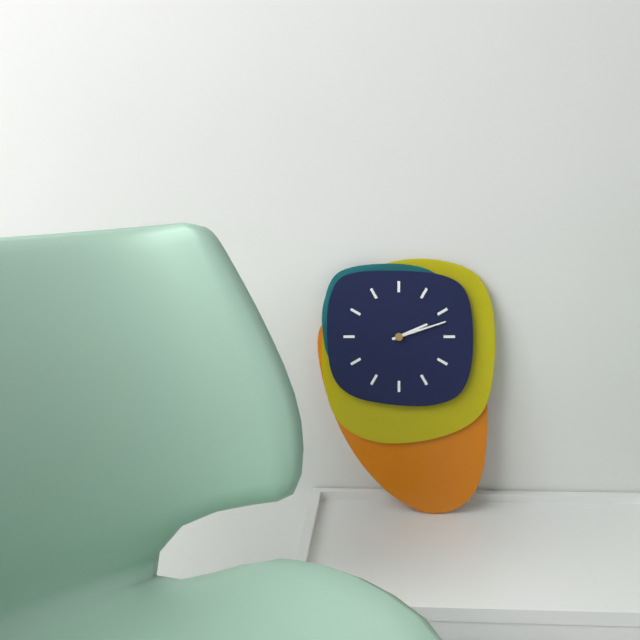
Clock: 2.12
